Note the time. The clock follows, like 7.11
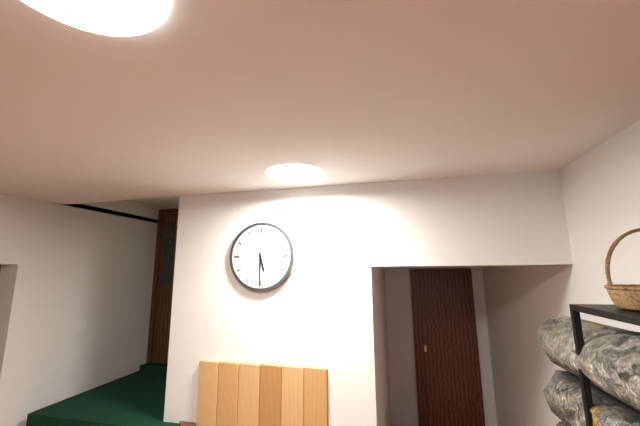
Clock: 5.30
